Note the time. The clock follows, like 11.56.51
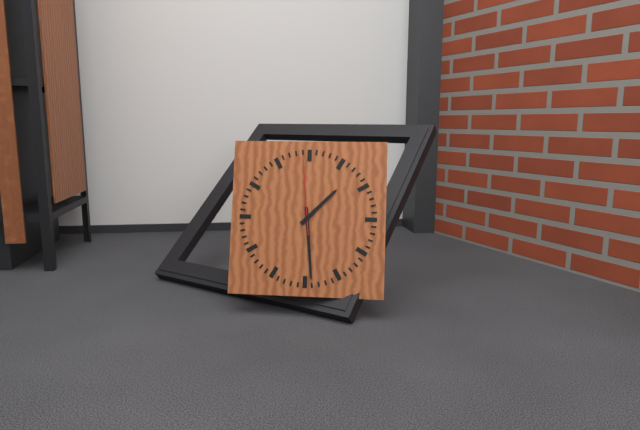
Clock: 1.29.59
